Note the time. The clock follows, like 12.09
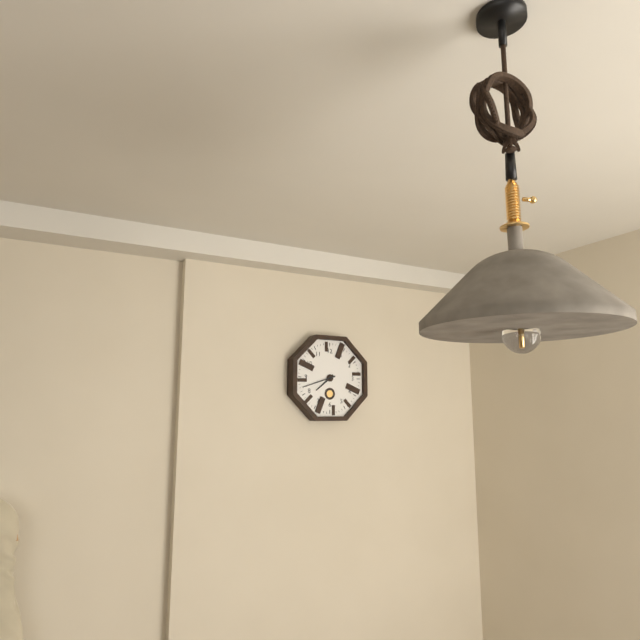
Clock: 7.42
